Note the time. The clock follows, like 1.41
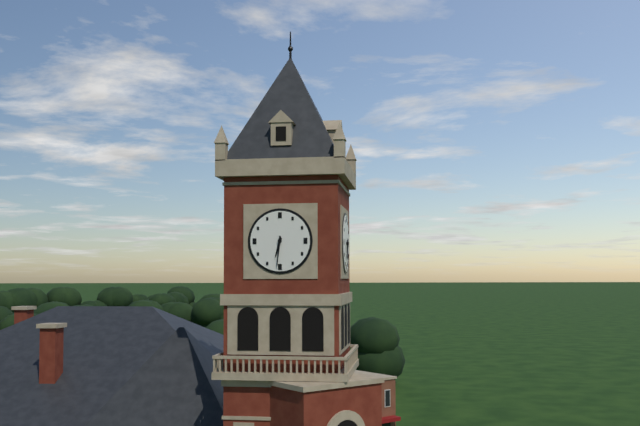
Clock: 6.31
